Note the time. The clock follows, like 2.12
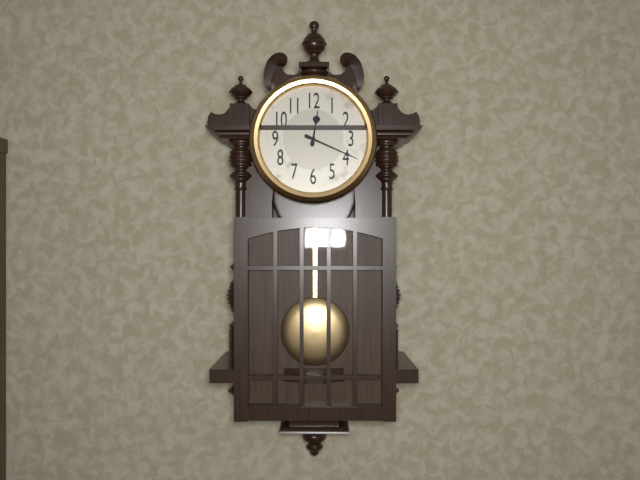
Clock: 12.19
